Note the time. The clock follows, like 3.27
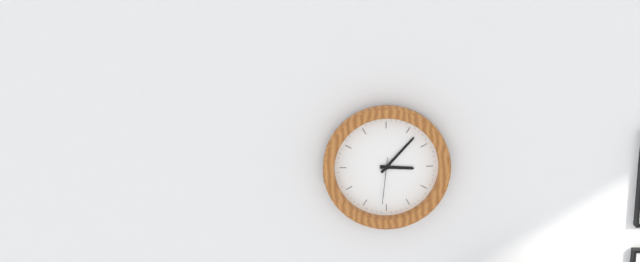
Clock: 3.07
